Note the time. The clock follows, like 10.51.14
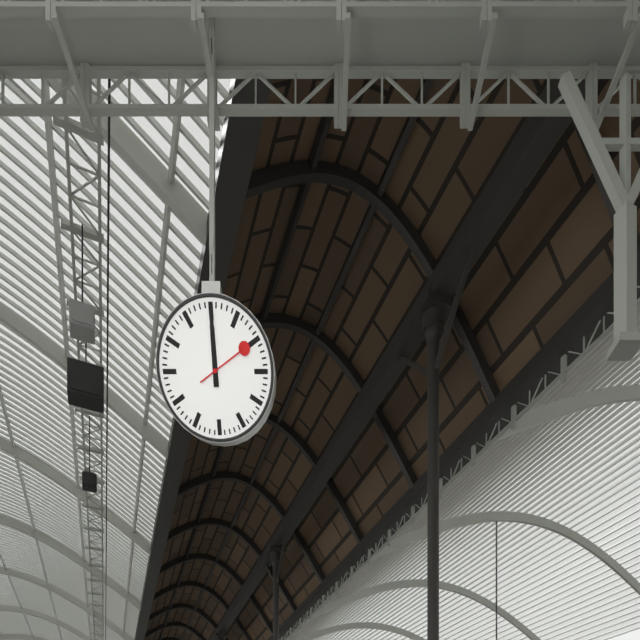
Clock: 12.00.10
